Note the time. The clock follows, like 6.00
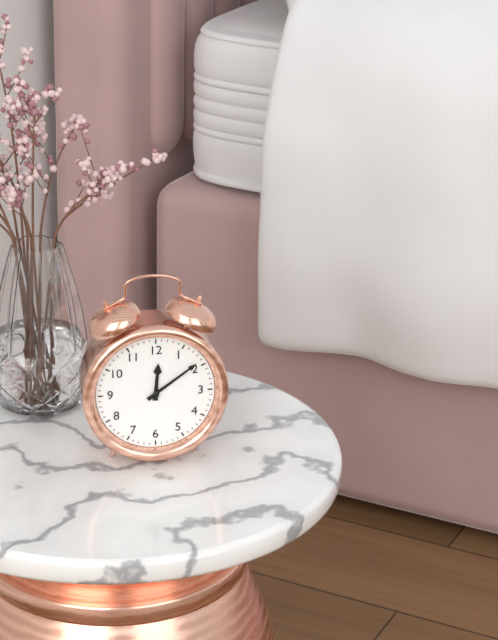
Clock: 12.09
